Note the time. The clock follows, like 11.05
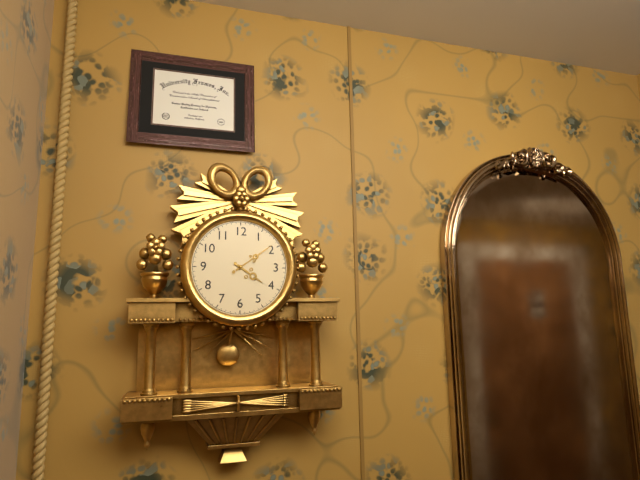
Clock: 4.09
